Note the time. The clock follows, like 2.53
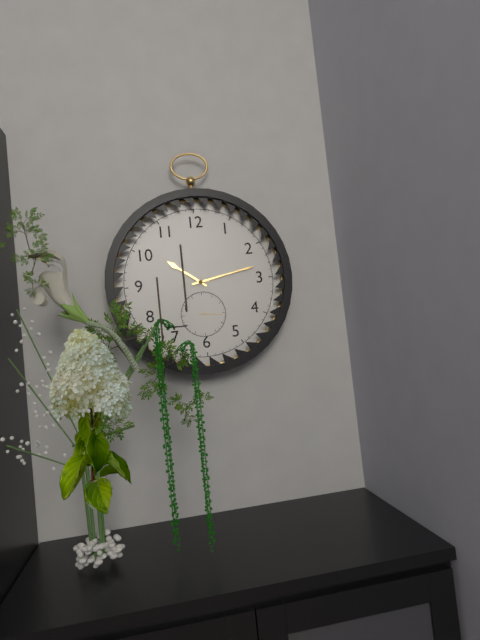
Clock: 10.13
